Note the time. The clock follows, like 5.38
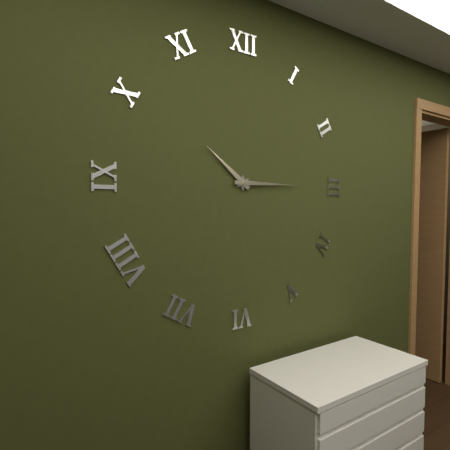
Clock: 10.15
